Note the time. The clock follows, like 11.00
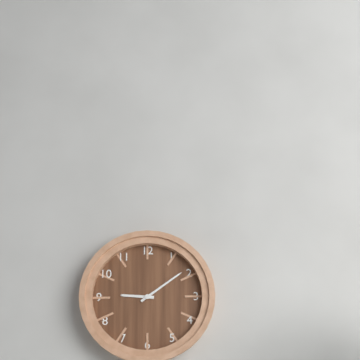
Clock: 9.09
